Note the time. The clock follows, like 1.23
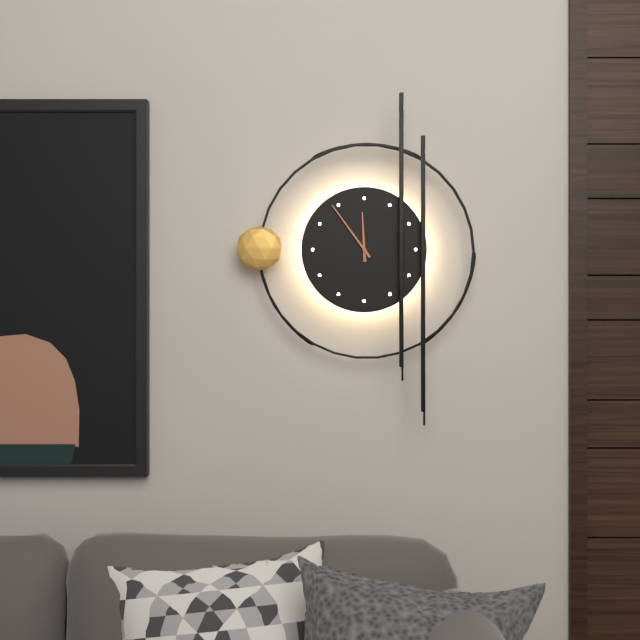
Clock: 11.54
